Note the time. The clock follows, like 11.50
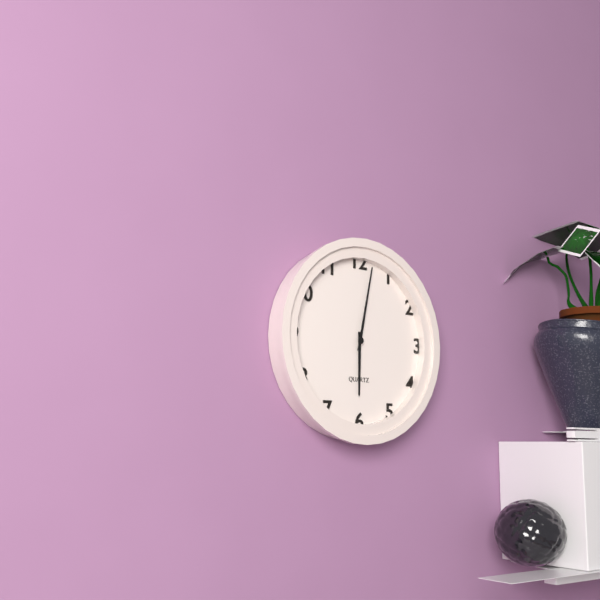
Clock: 6.02
